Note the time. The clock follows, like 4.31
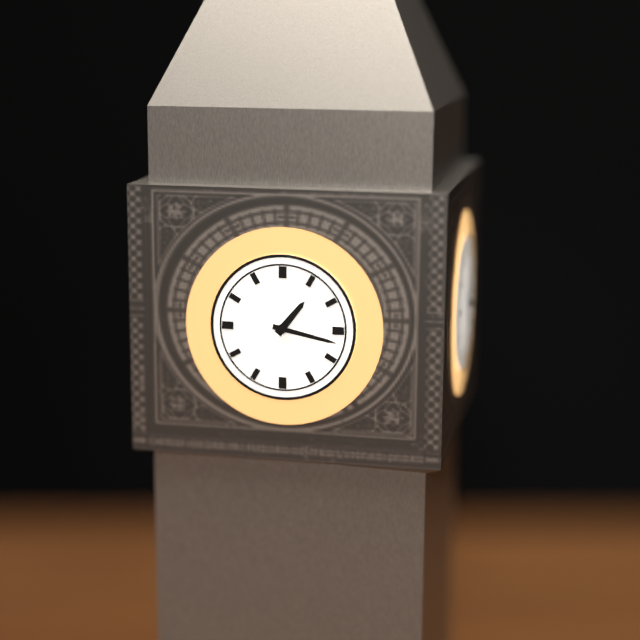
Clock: 1.17
